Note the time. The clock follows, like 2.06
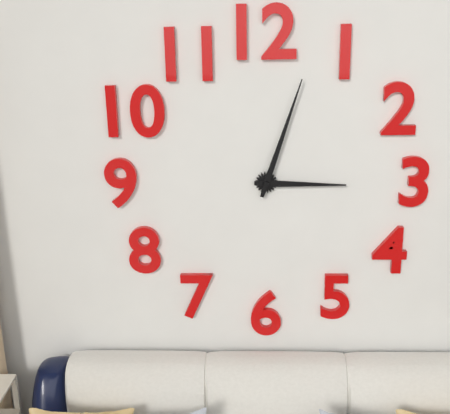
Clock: 3.03
